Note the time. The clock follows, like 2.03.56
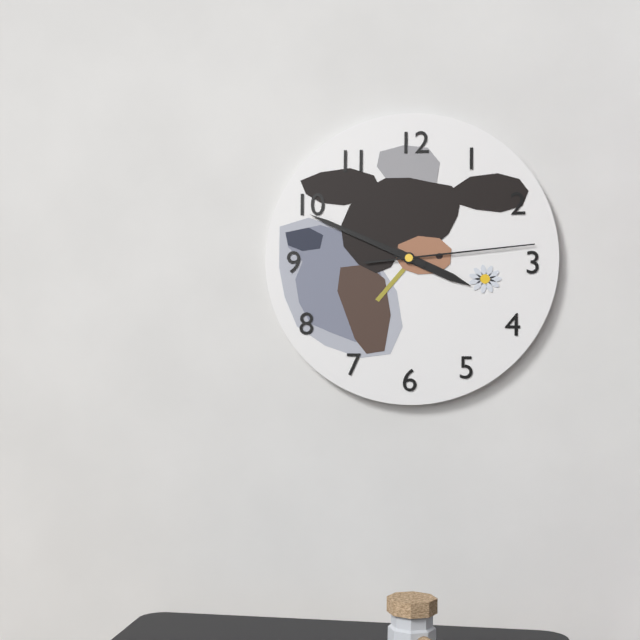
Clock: 3.49.14
